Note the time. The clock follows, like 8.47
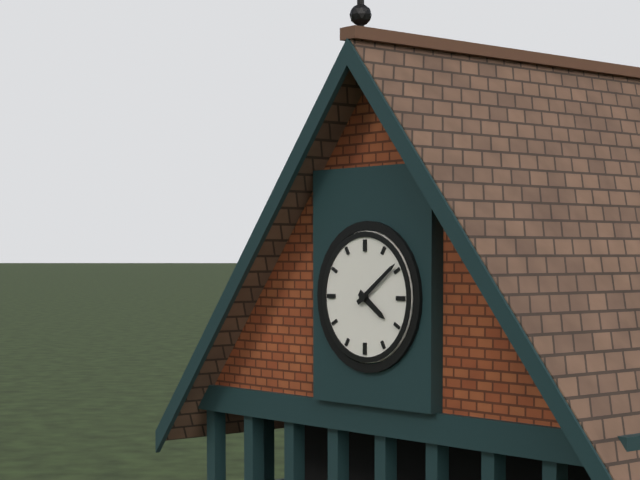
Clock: 4.09
